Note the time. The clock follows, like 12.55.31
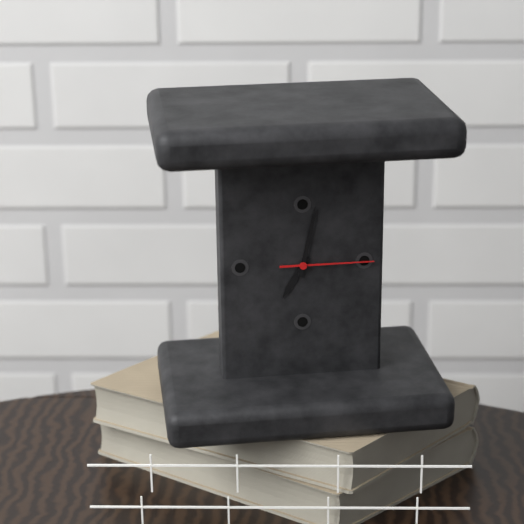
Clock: 7.02.15
